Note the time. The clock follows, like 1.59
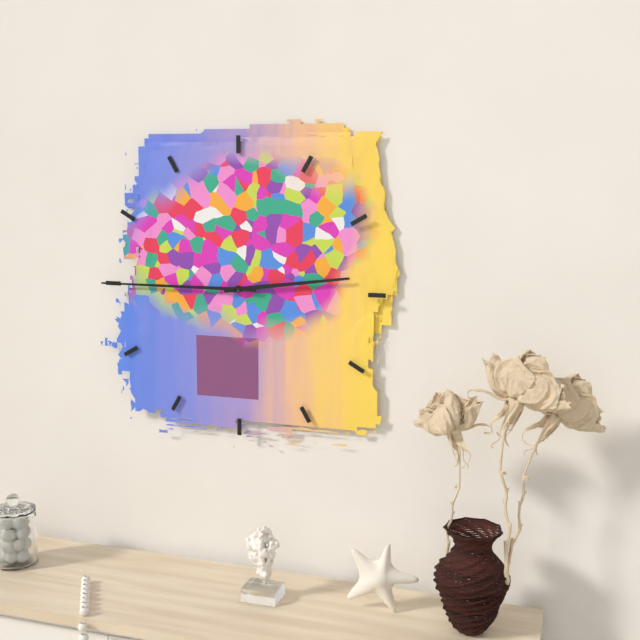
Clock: 2.45
